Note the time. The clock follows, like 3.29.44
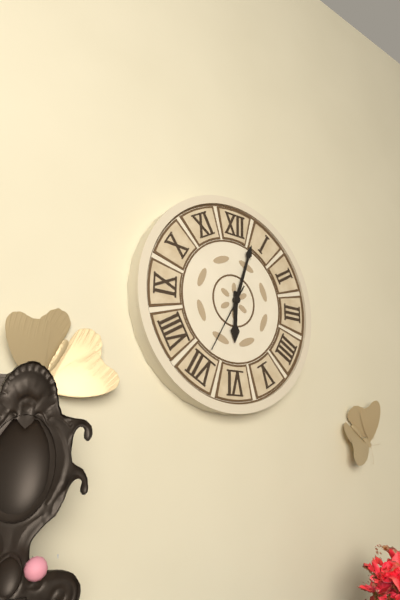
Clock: 6.03.35
